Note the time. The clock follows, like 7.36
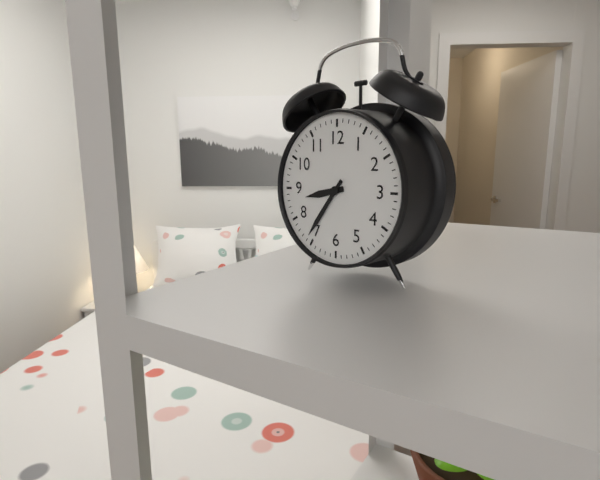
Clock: 8.36
